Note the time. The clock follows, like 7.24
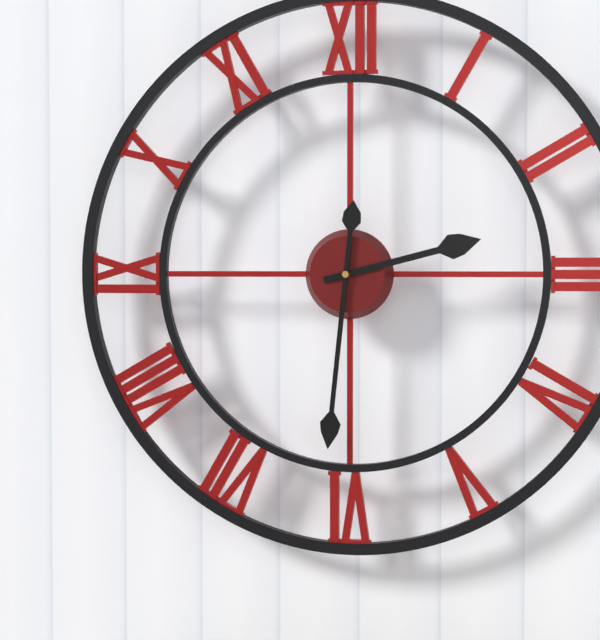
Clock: 2.31
